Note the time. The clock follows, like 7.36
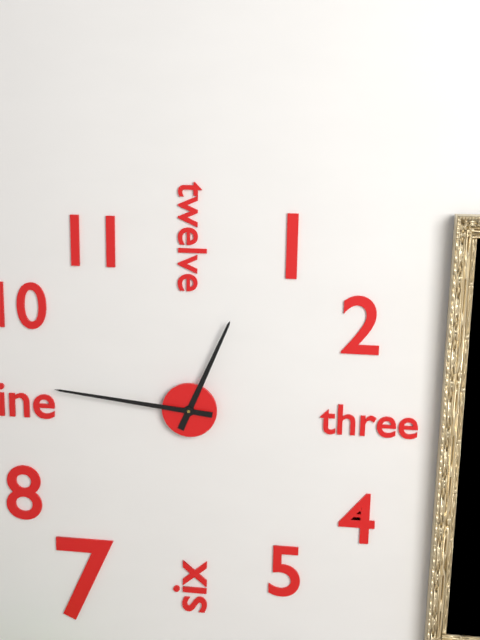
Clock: 12.46
